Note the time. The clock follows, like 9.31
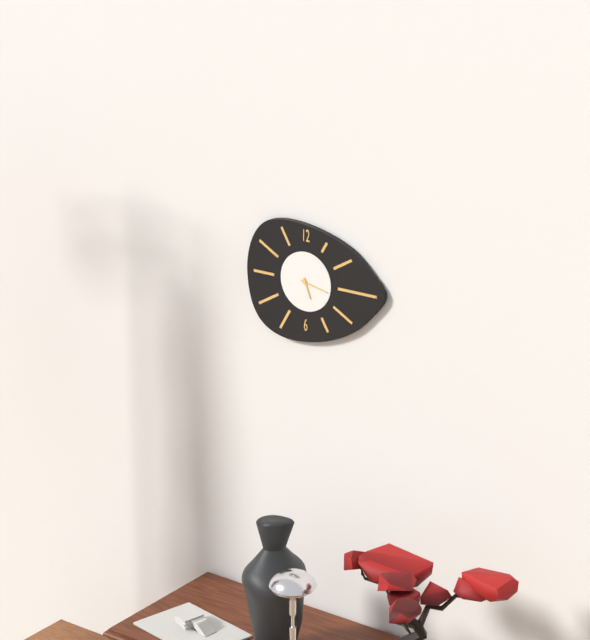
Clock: 5.17
